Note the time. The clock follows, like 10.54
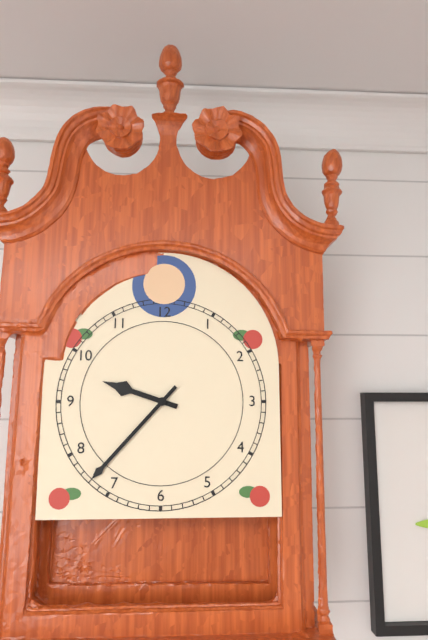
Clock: 9.37
